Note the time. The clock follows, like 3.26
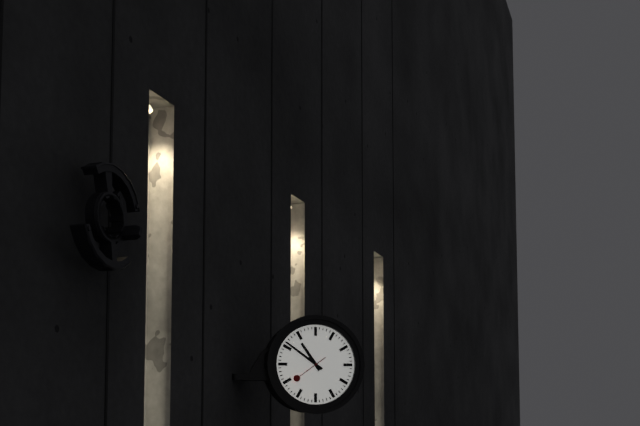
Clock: 10.51
